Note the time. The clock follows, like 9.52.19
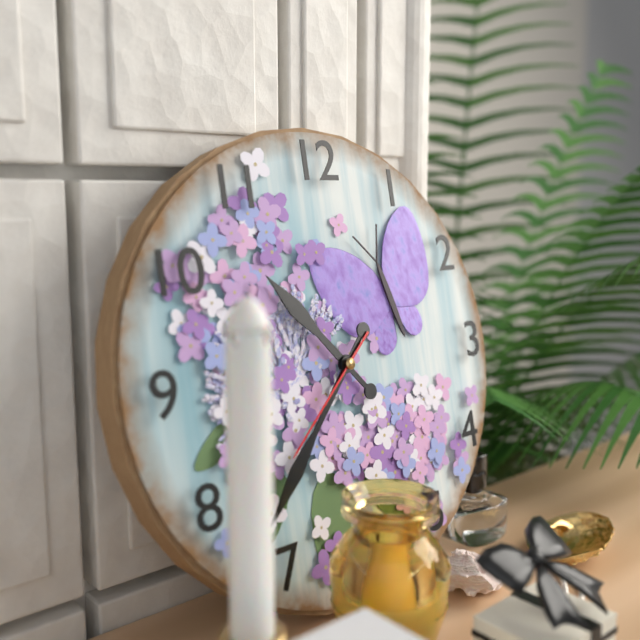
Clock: 10.37.38
